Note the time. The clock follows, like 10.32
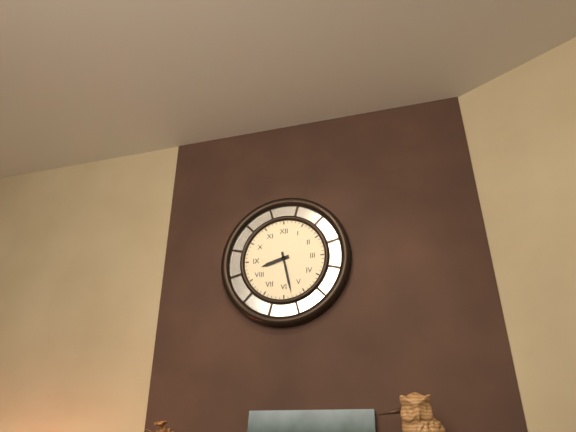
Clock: 8.28
